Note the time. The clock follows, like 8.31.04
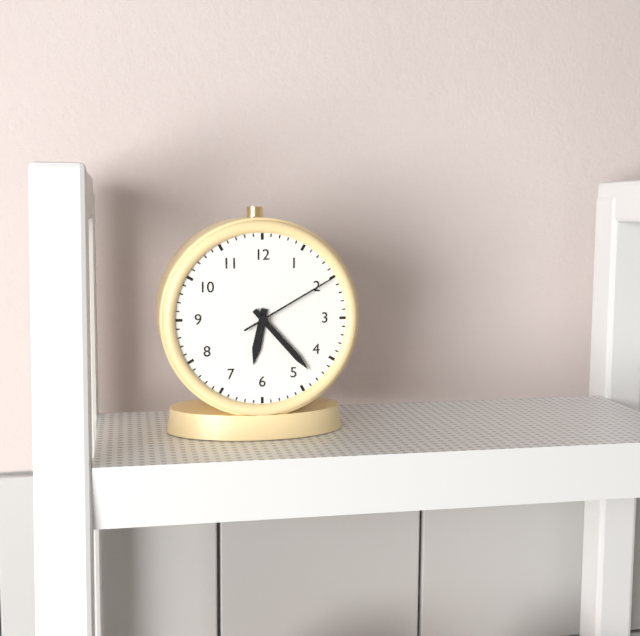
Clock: 6.23.10
